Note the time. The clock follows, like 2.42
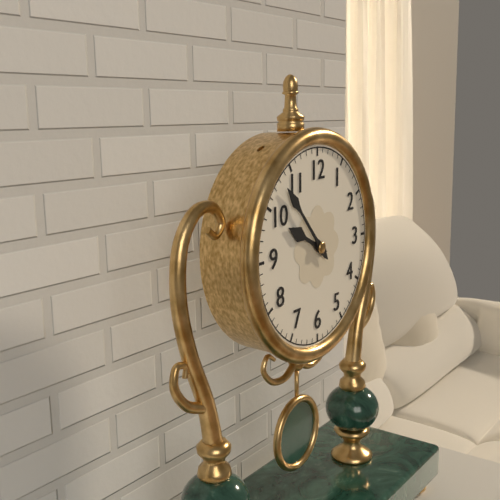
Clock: 9.53
